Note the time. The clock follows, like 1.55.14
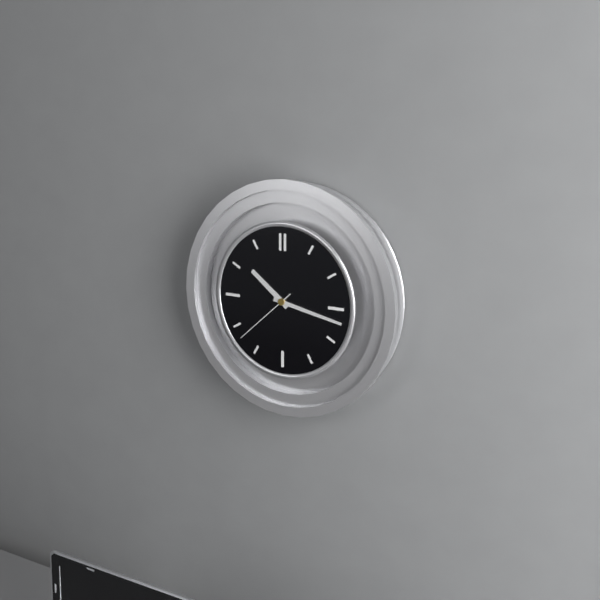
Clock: 10.17.38
